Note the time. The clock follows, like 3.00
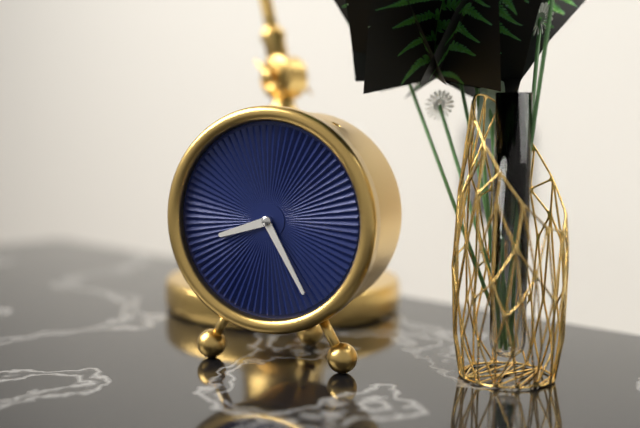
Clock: 8.25
